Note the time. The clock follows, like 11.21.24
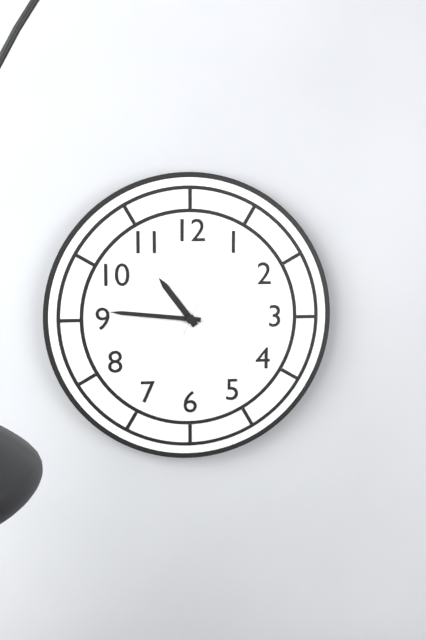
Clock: 10.46.04
